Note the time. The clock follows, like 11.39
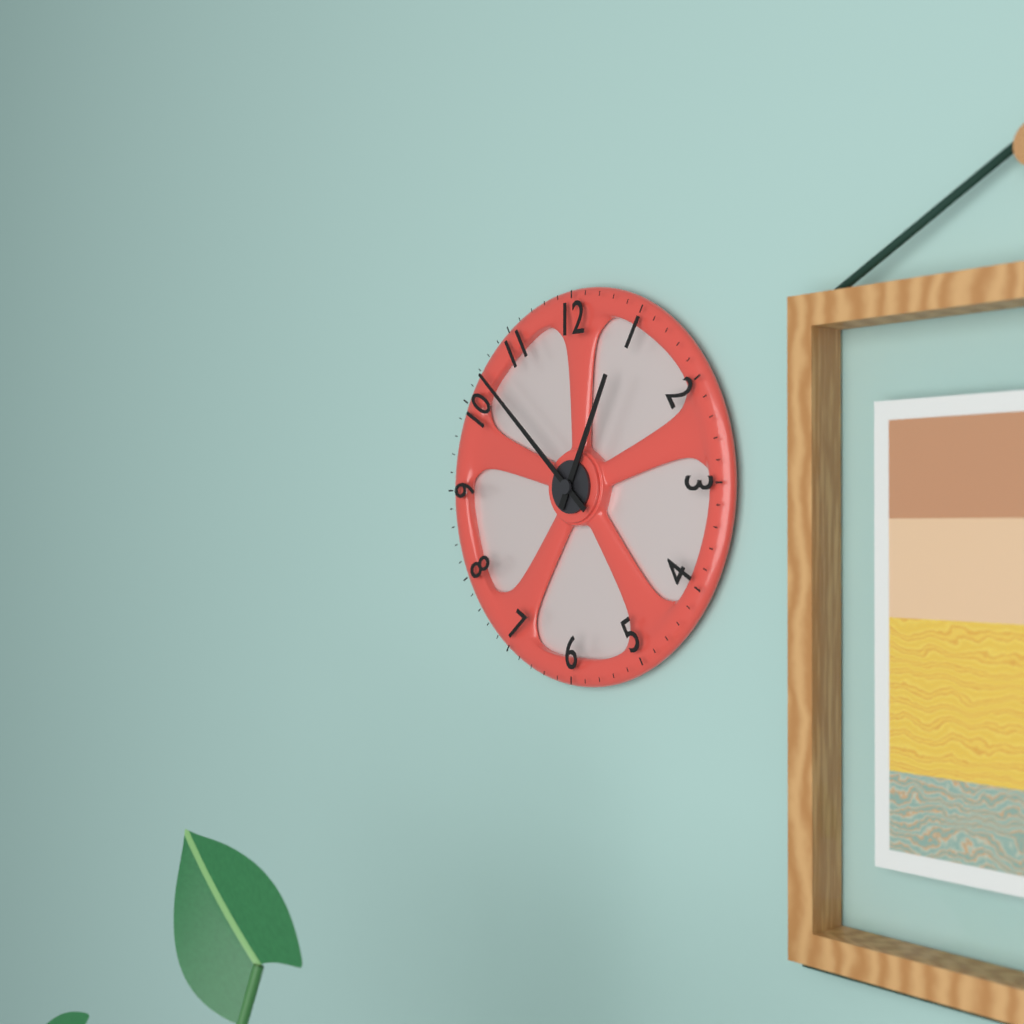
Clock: 12.52
